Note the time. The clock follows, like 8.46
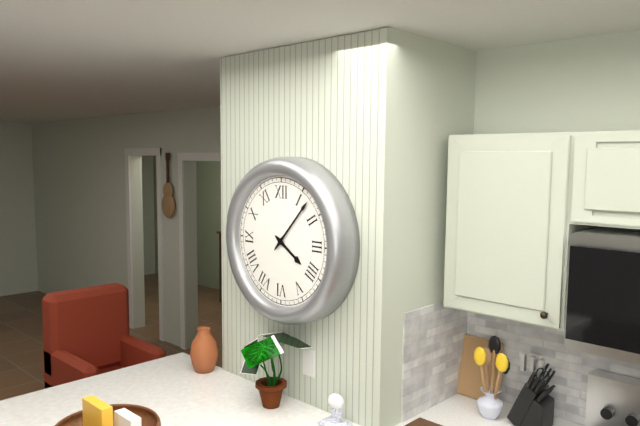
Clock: 4.07
